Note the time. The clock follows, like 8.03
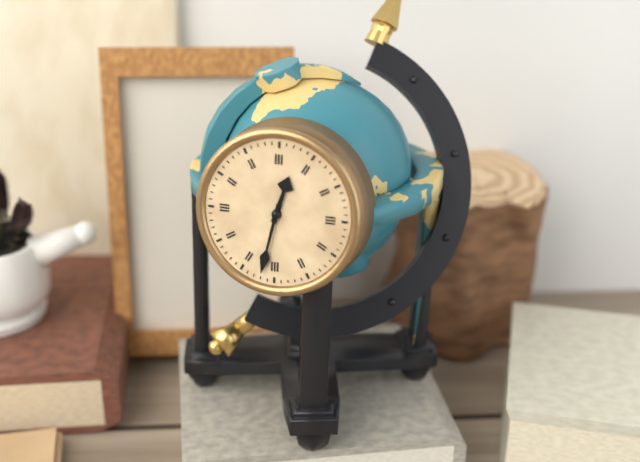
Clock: 12.32
